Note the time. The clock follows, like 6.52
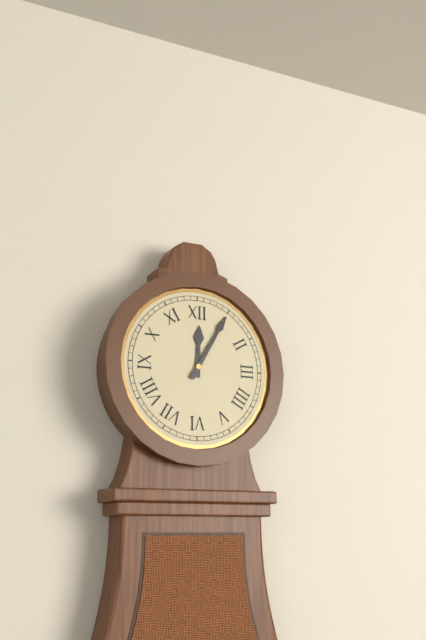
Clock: 12.05
